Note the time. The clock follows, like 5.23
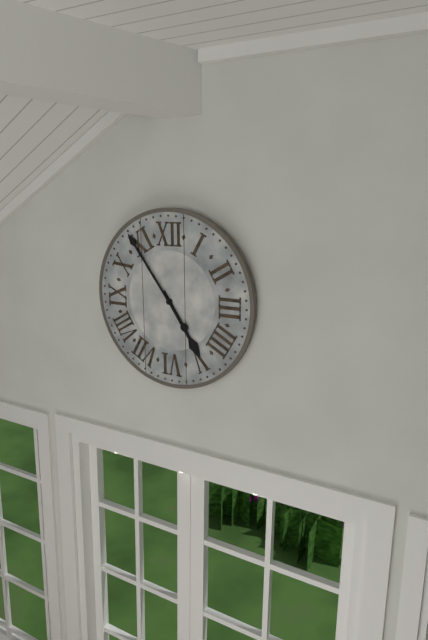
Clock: 4.54
